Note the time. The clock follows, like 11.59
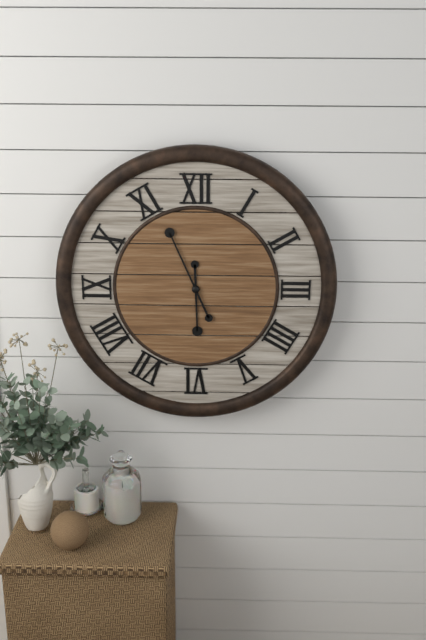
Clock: 5.56
